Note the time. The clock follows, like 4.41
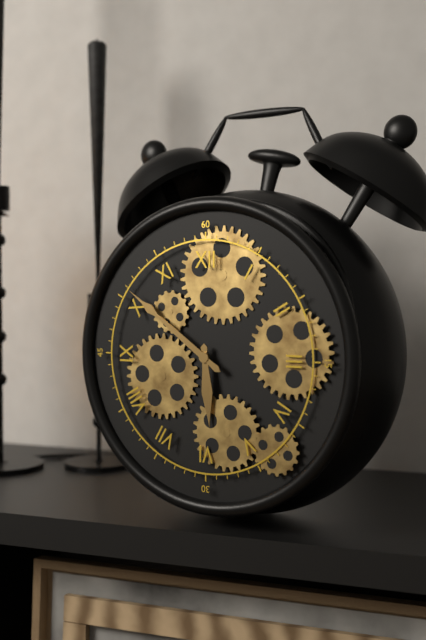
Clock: 5.51
